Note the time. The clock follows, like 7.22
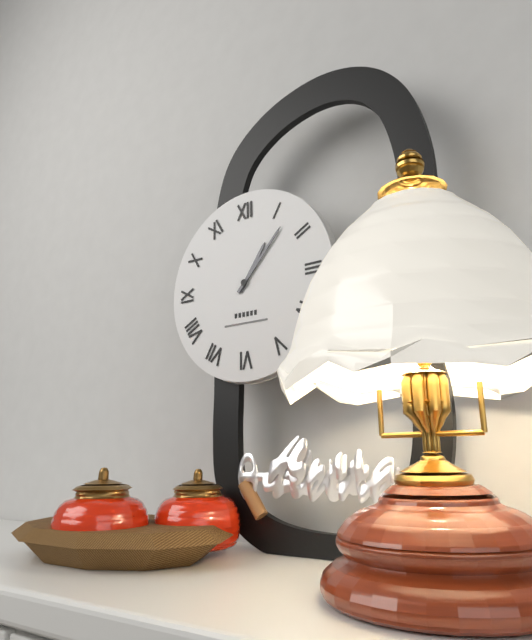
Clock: 1.07
